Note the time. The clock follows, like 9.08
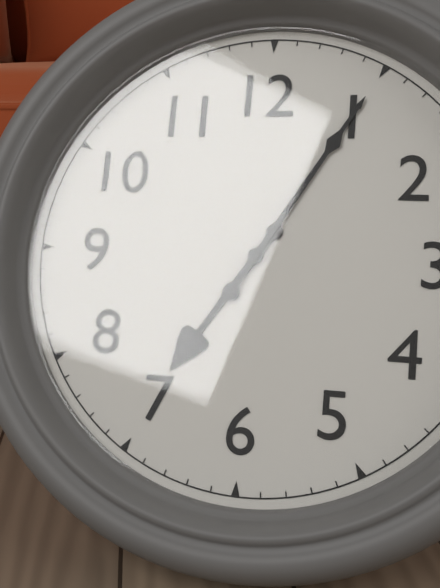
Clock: 7.05
